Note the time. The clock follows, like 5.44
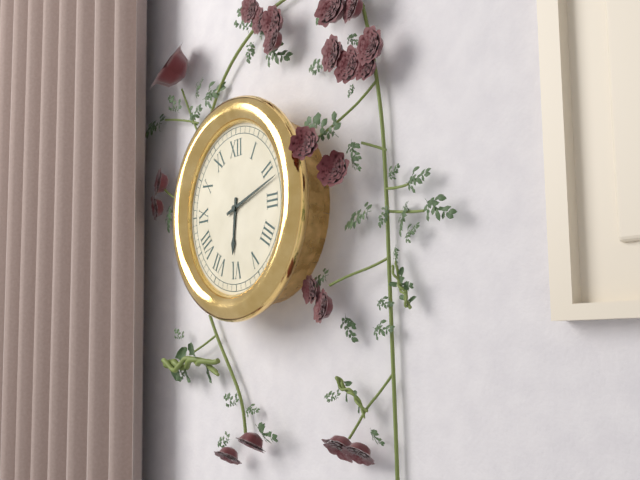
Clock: 6.12
